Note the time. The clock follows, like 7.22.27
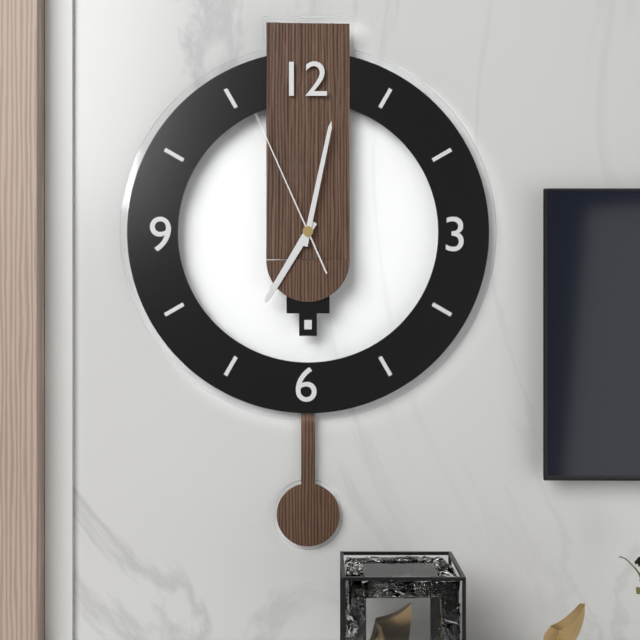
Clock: 7.02.56
